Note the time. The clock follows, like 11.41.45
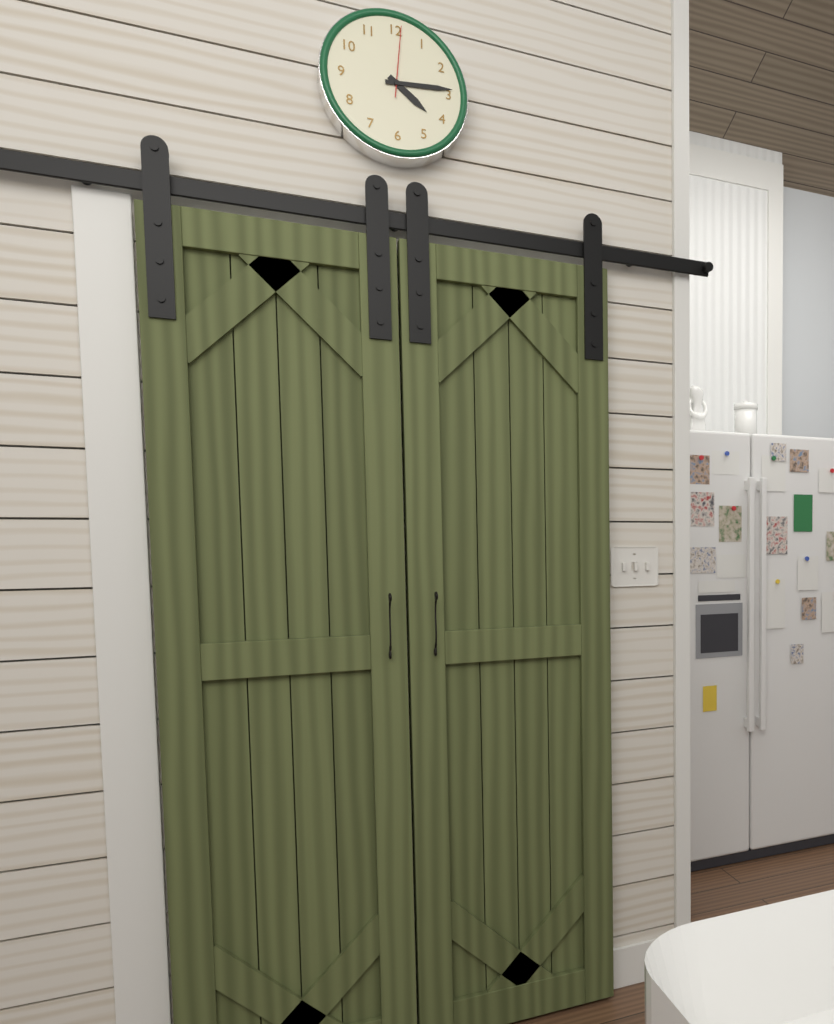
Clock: 4.14.01
